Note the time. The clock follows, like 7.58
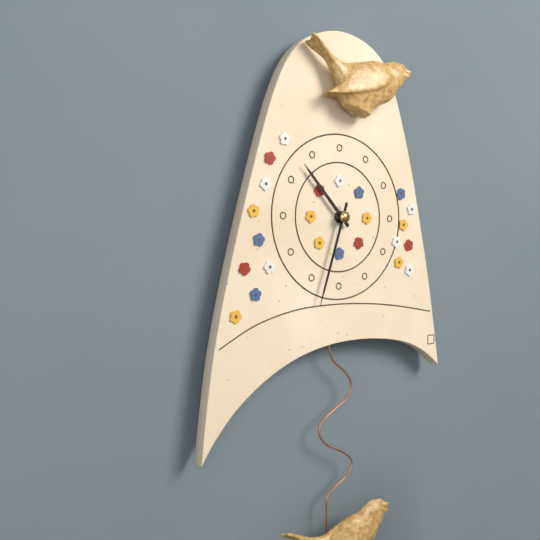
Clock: 10.33
